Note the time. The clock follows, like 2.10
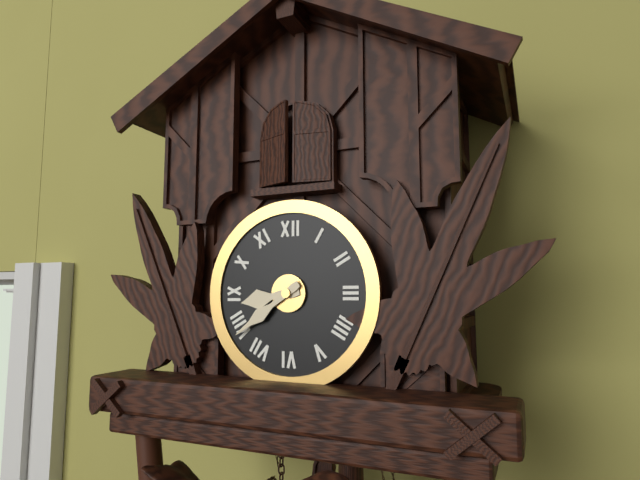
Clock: 8.39
